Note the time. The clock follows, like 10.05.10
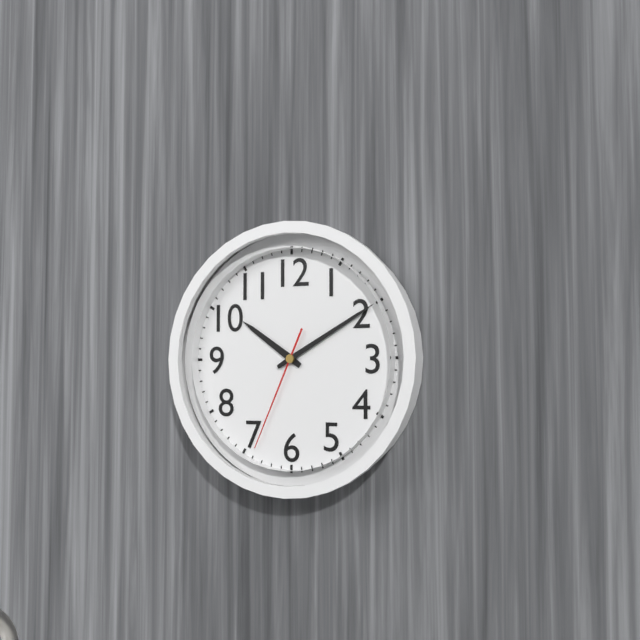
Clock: 10.10.34
